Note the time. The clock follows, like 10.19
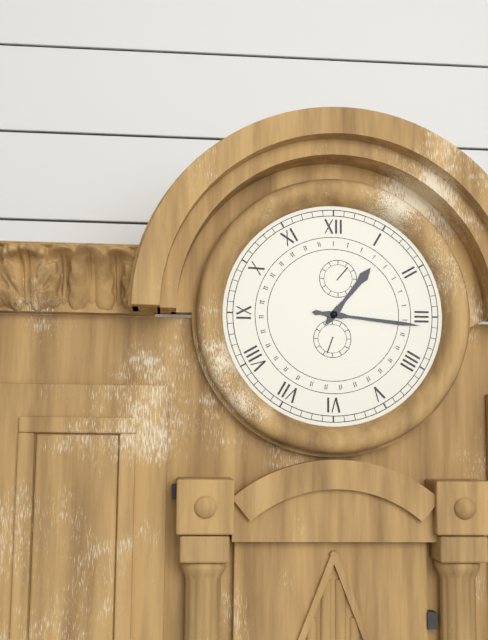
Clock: 1.16
